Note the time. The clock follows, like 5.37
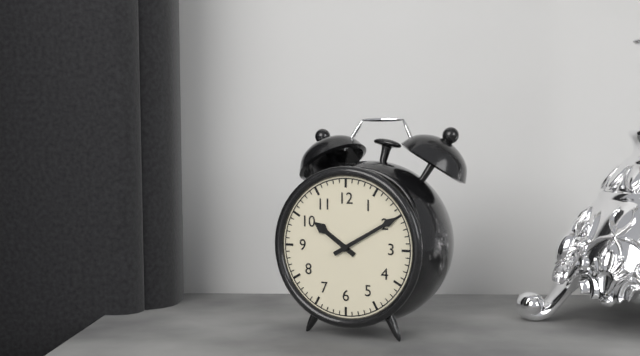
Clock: 10.10
